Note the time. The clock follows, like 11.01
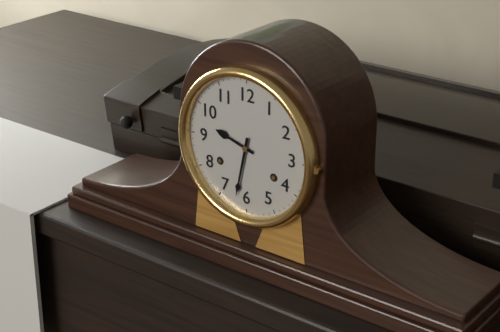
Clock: 9.32
